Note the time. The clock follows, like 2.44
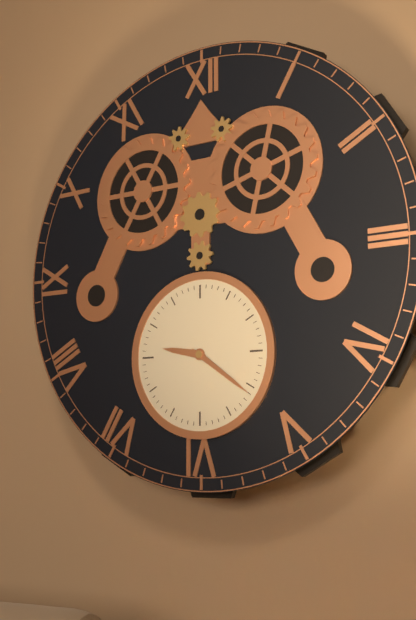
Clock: 9.21
